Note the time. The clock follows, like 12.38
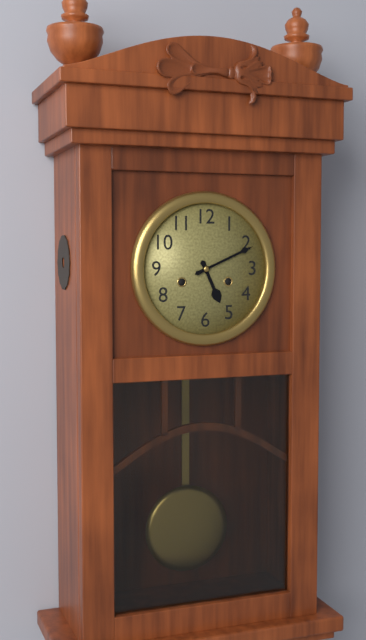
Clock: 5.11
